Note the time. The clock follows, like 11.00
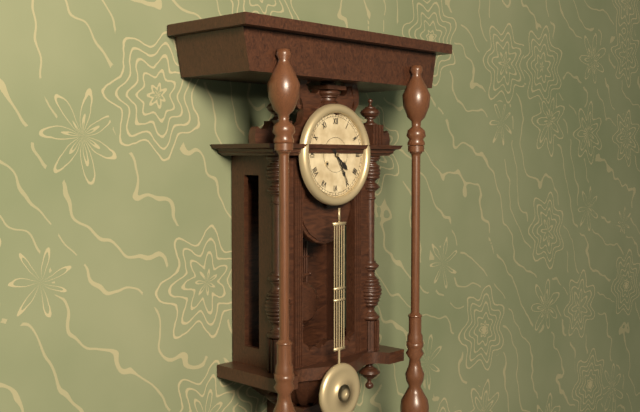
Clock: 4.25
